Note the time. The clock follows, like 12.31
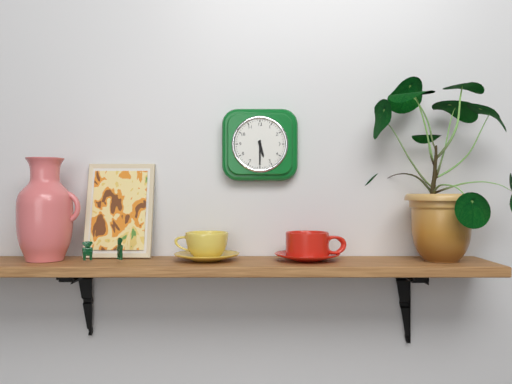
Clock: 5.30
